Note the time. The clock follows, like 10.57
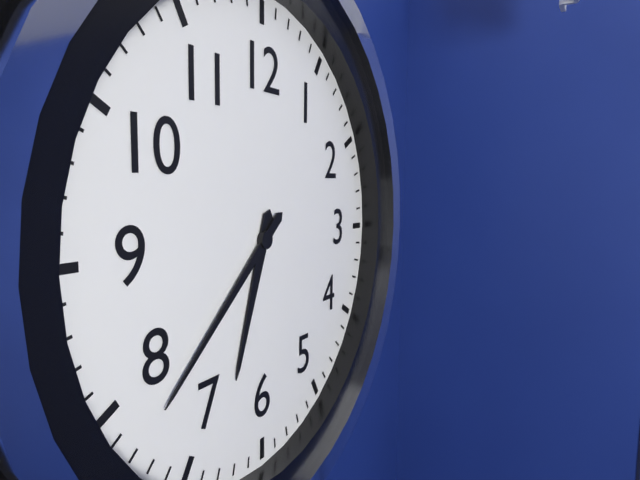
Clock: 6.38
